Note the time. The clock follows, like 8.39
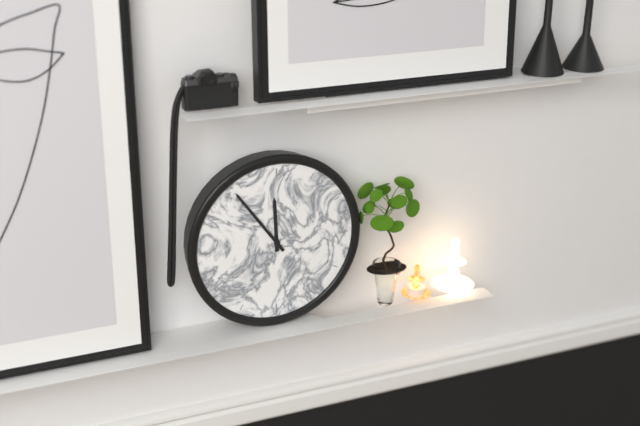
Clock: 11.54
